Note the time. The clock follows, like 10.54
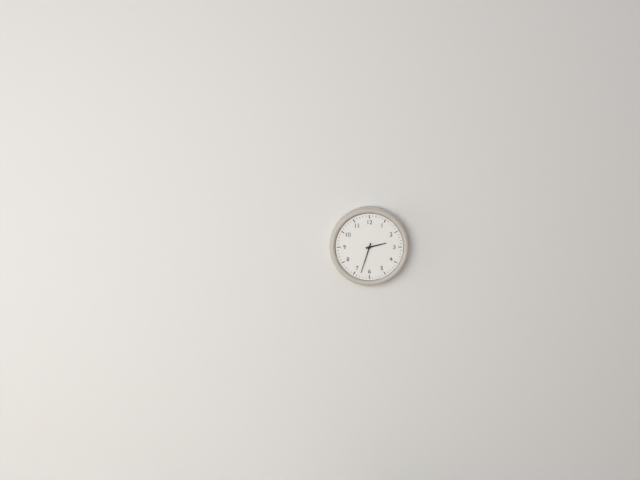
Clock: 2.33
